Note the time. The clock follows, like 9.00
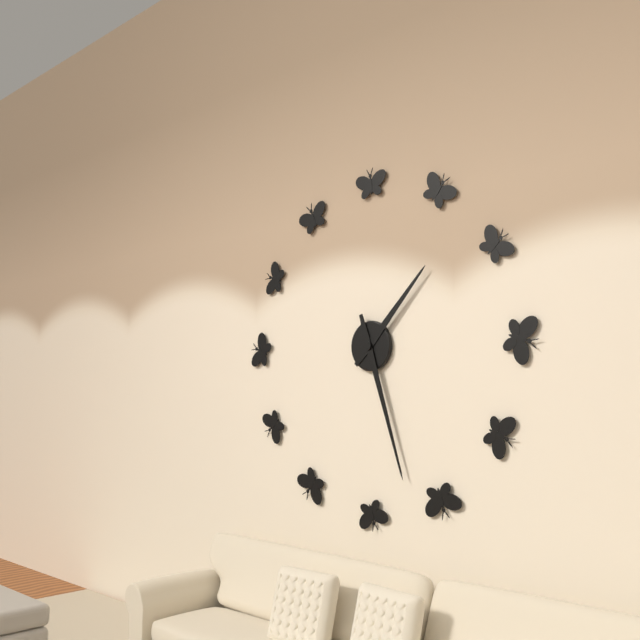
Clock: 1.27
